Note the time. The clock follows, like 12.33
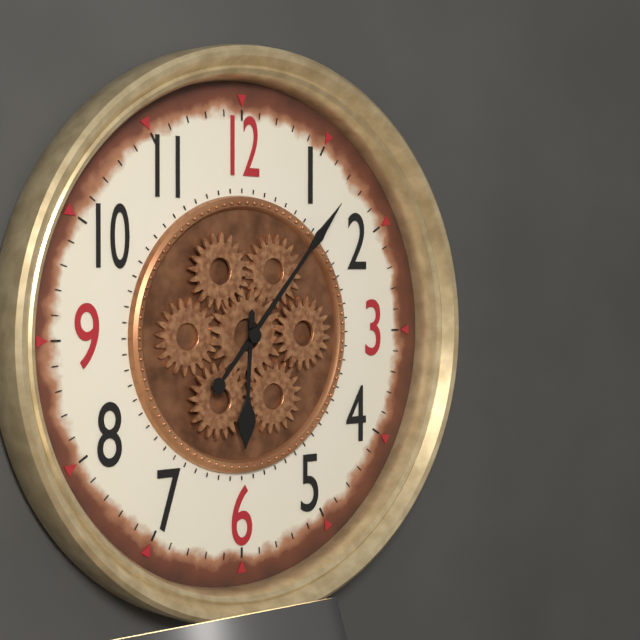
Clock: 6.07
